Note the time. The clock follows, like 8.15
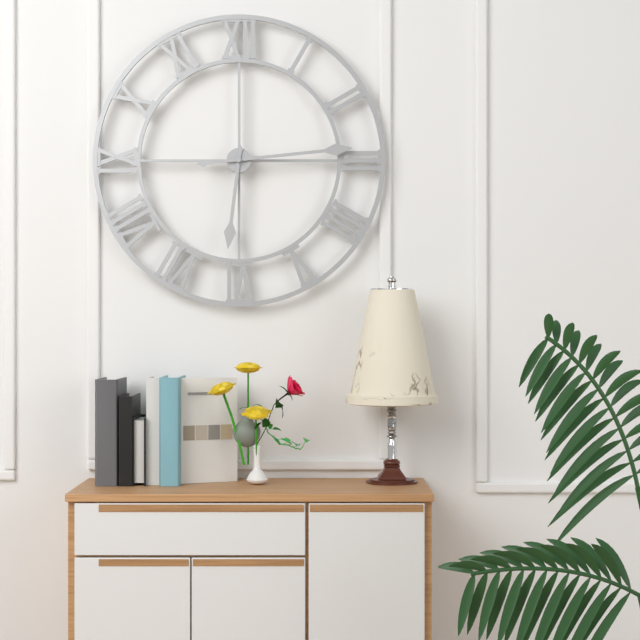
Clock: 6.14
